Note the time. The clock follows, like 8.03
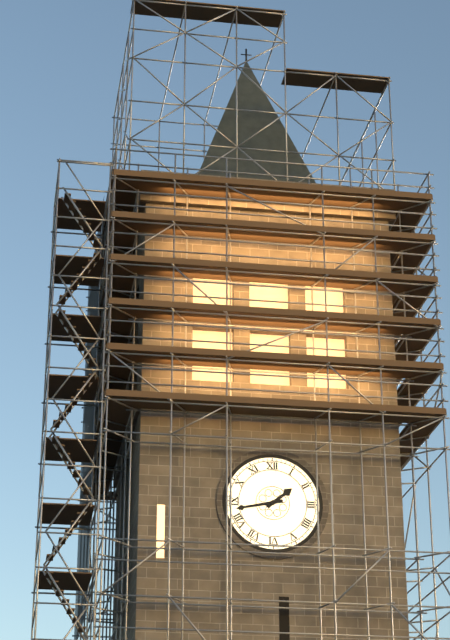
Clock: 1.43
